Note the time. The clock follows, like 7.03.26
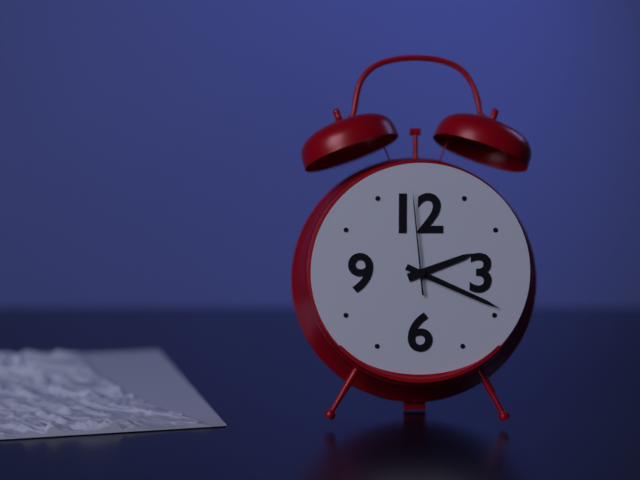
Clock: 2.19.59
